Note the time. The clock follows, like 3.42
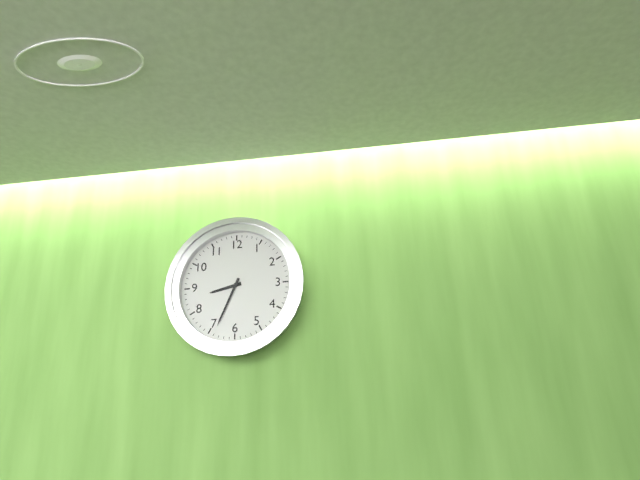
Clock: 8.34
